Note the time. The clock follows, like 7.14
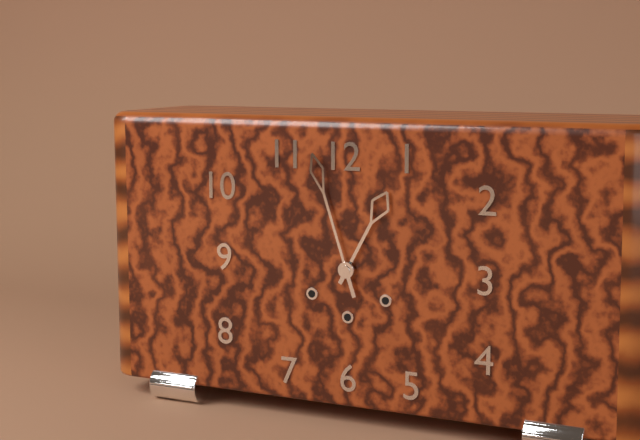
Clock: 12.57
